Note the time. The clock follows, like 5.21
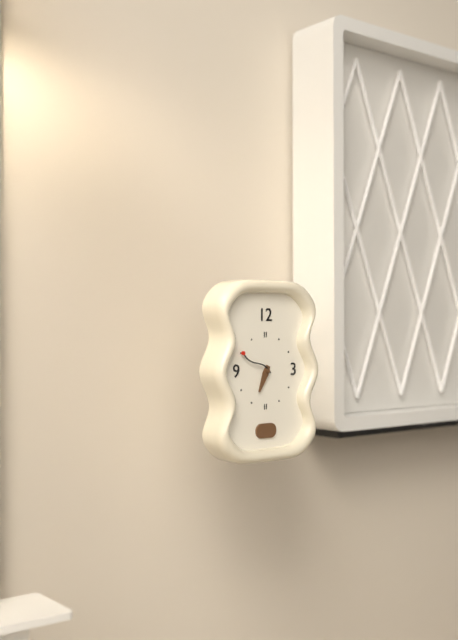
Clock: 6.50
